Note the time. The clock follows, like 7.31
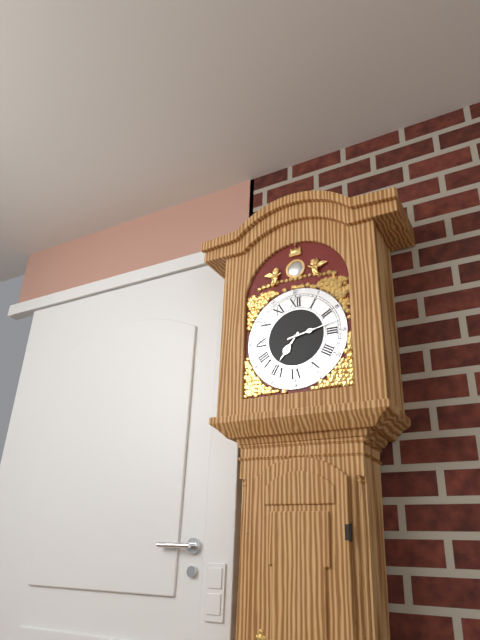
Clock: 7.13
